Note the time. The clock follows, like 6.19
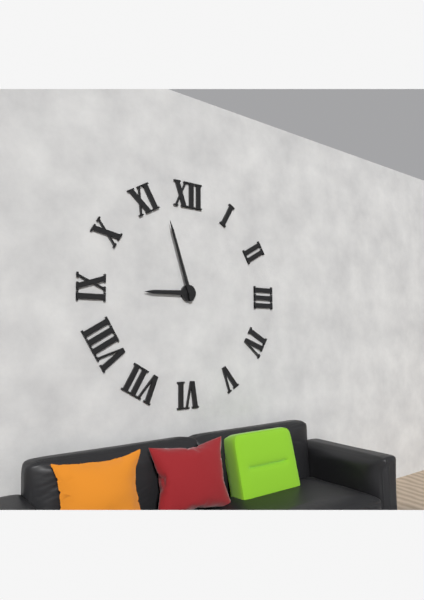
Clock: 8.57
